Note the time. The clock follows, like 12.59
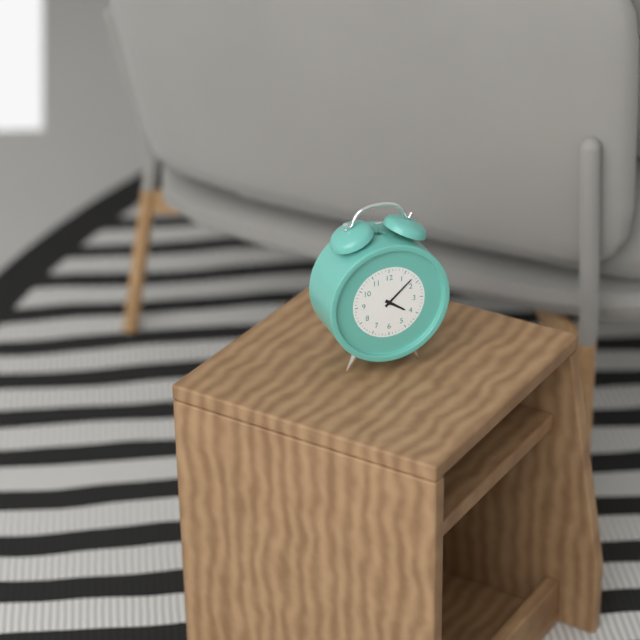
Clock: 4.08
